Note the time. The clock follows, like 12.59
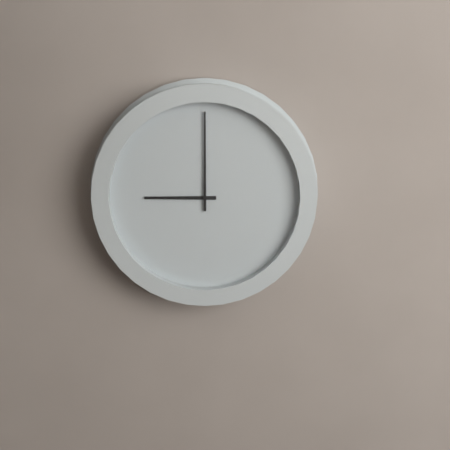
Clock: 9.00
